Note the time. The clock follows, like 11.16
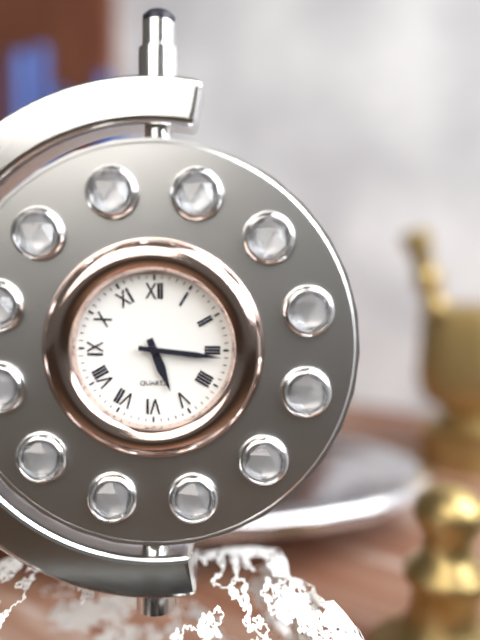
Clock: 5.16
